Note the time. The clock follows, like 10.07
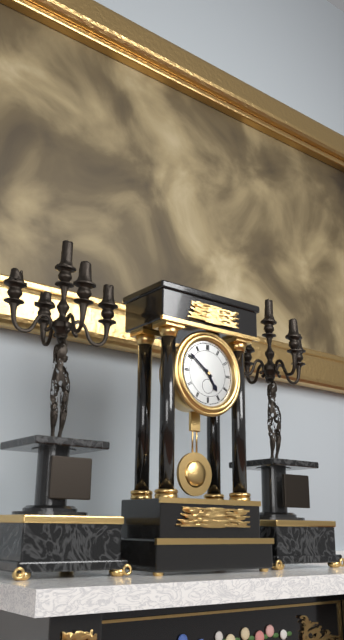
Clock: 4.51
